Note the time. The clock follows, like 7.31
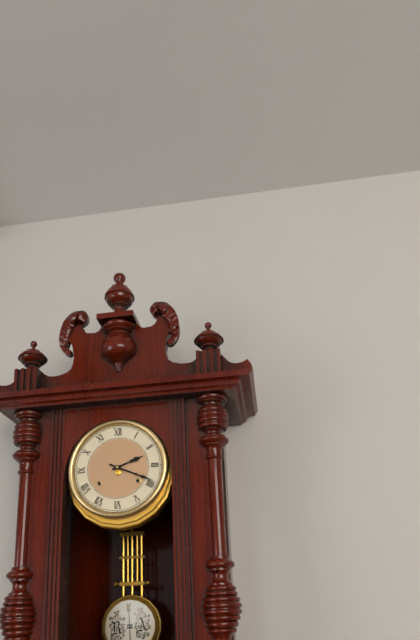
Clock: 2.19
